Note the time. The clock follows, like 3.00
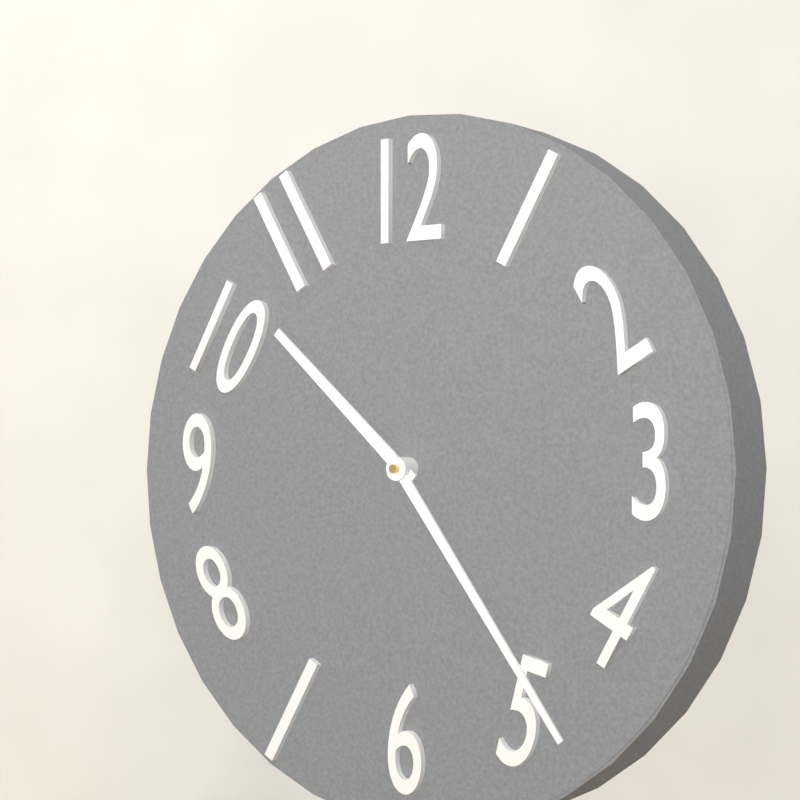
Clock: 10.24
